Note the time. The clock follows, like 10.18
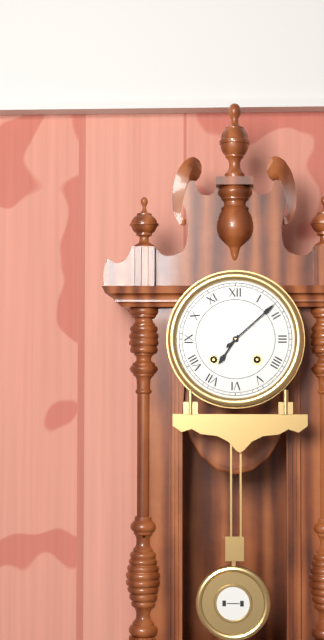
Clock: 7.08
